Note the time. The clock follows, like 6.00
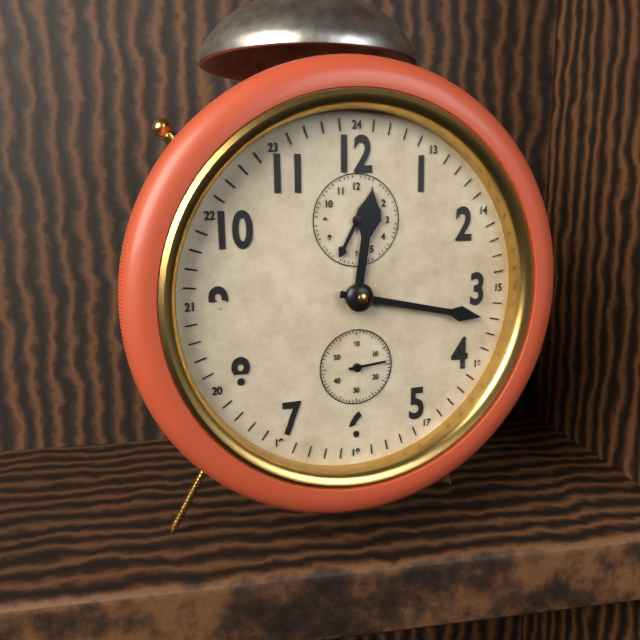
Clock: 12.17
